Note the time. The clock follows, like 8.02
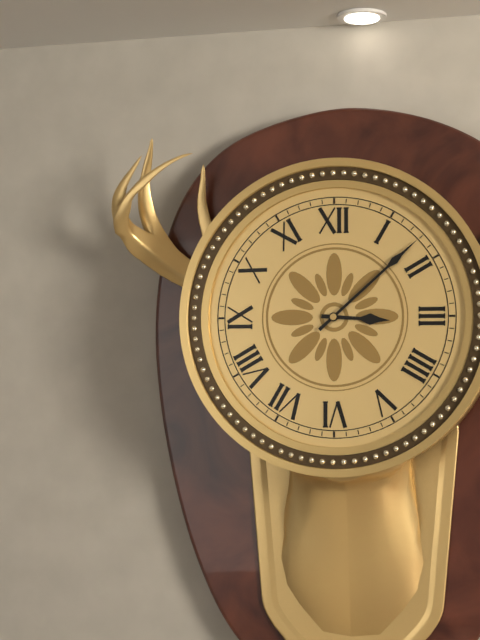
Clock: 3.08
